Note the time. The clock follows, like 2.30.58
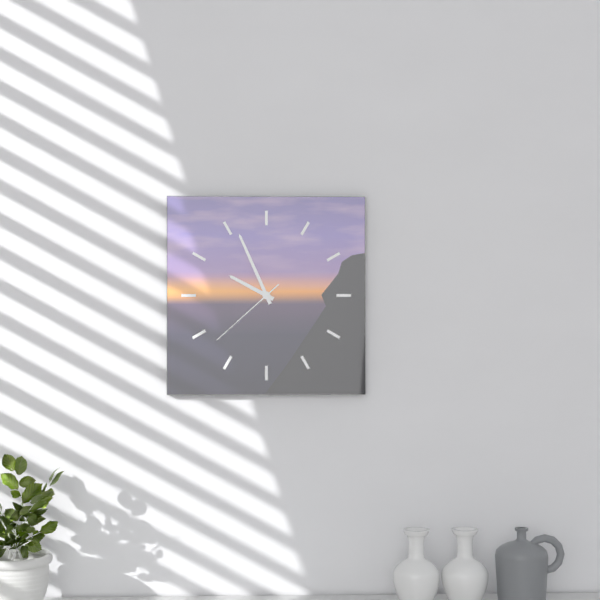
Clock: 9.56.38
